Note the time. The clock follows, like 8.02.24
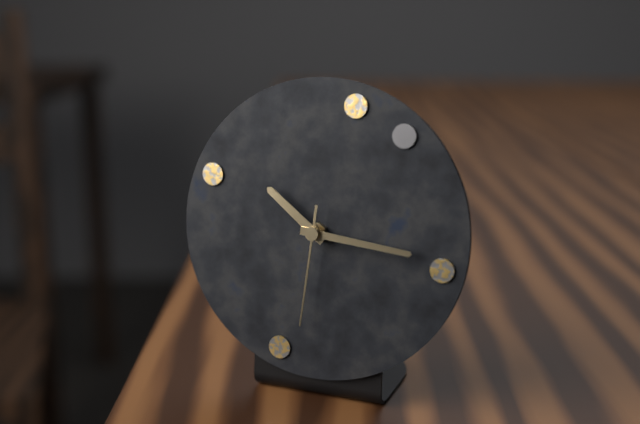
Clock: 10.16.31
